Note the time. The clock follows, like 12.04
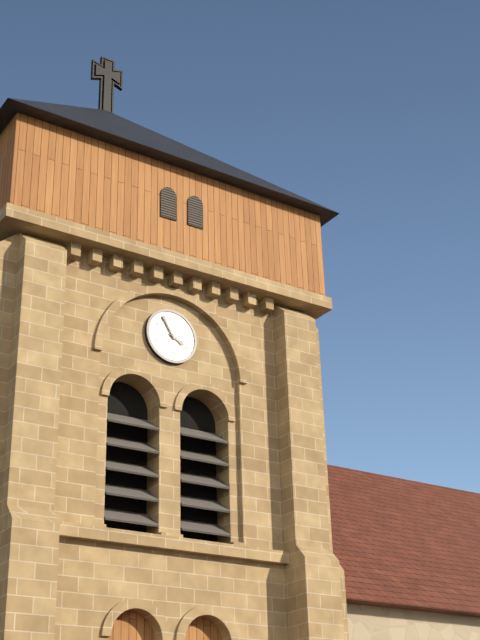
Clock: 3.55
